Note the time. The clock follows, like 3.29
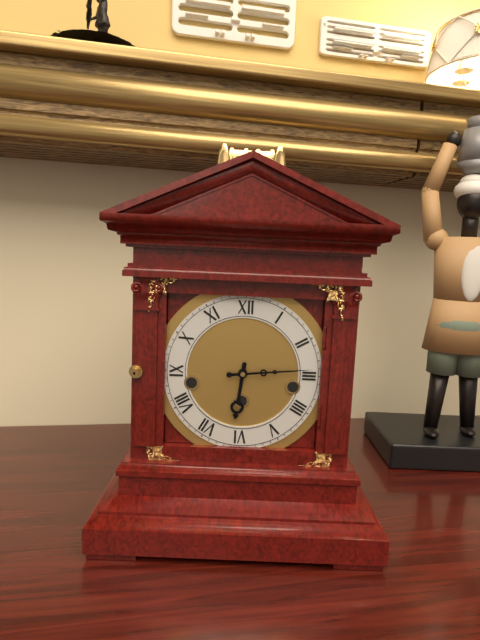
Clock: 6.14
